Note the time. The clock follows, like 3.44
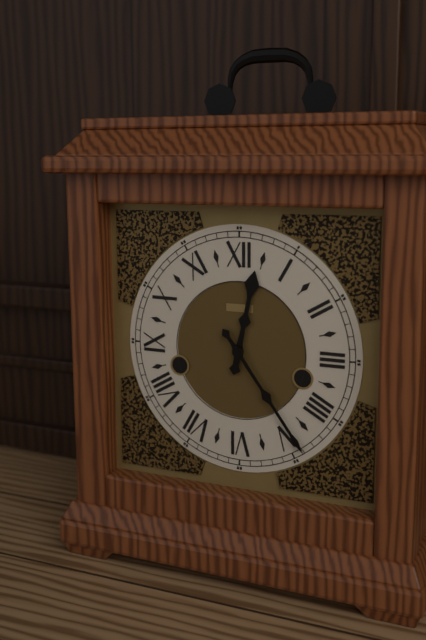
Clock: 12.24
